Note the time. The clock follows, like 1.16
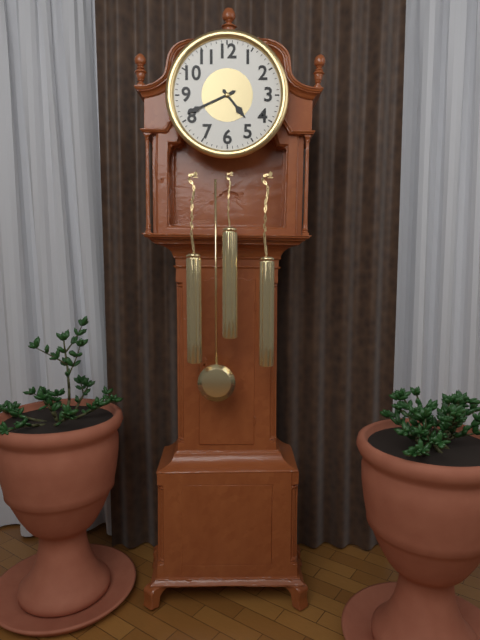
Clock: 4.41
